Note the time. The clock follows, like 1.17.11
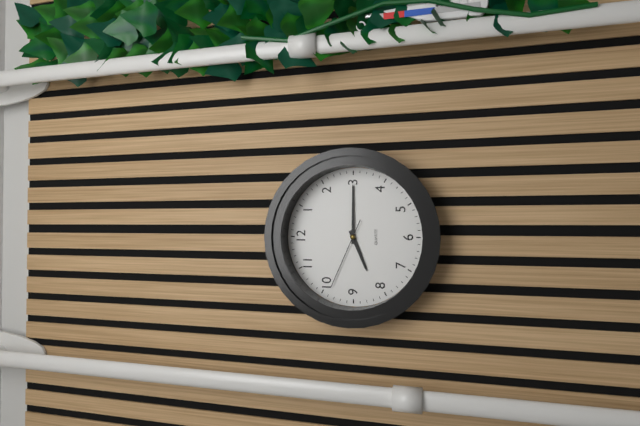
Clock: 8.15.49
